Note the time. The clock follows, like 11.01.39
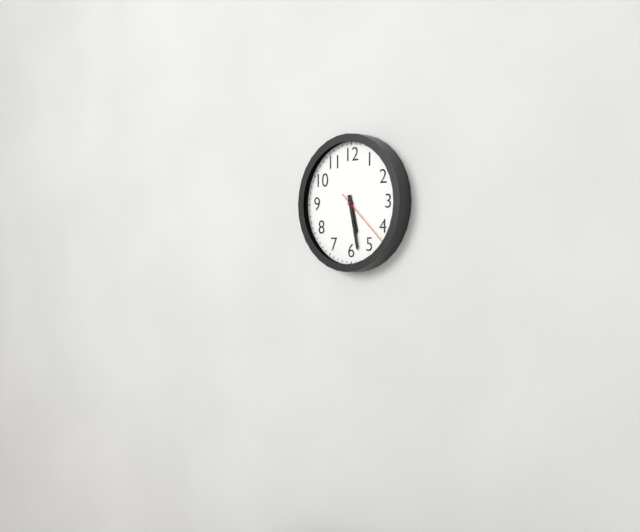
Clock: 5.28.22
